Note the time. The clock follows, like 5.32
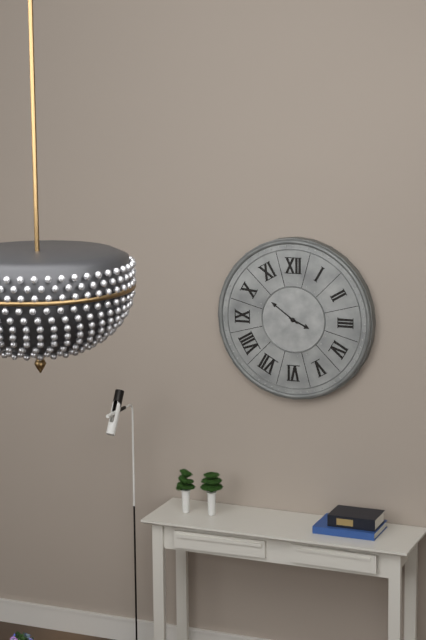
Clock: 3.51
